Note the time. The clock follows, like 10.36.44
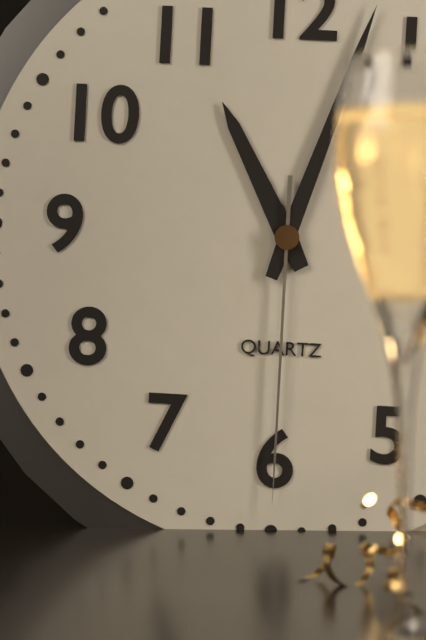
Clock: 11.03.30
